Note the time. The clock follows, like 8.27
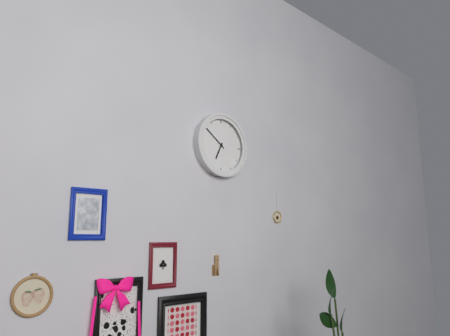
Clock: 6.51
